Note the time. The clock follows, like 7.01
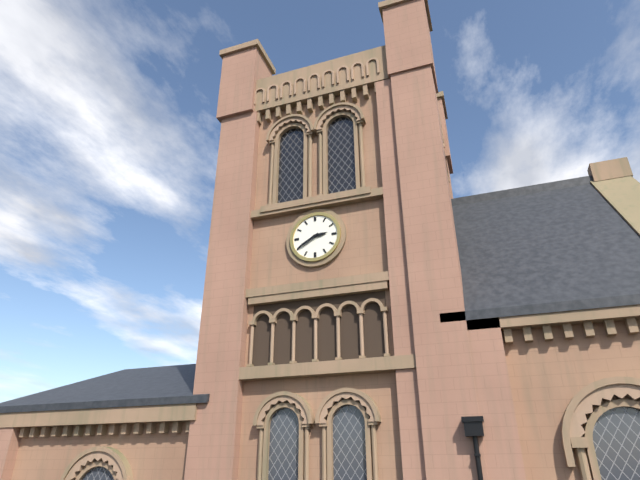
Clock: 2.40
